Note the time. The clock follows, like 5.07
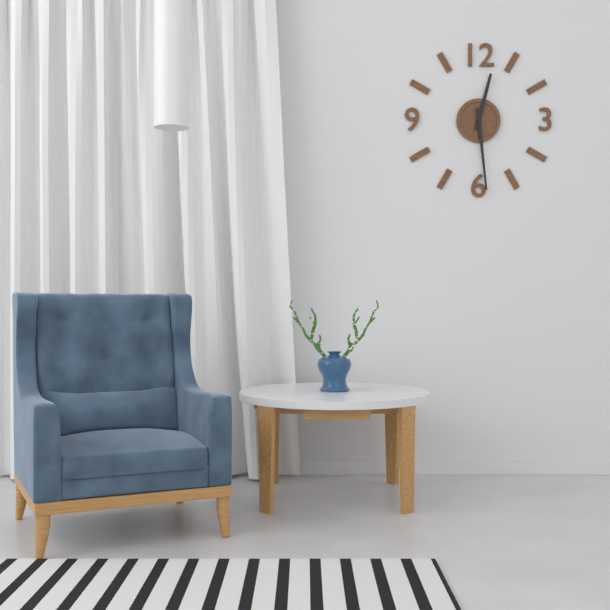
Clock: 12.29
